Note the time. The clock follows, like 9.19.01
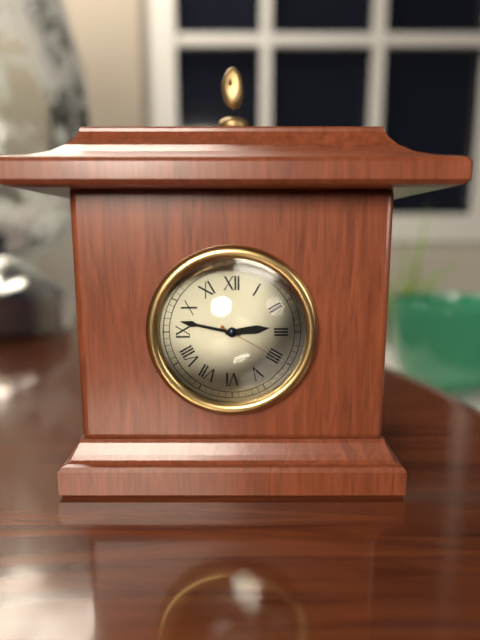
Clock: 2.47.20
